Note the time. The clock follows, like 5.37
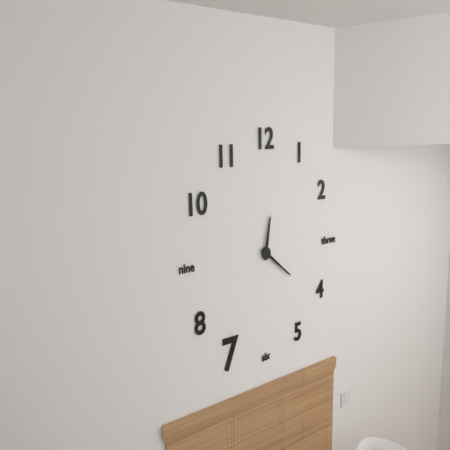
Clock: 12.21
